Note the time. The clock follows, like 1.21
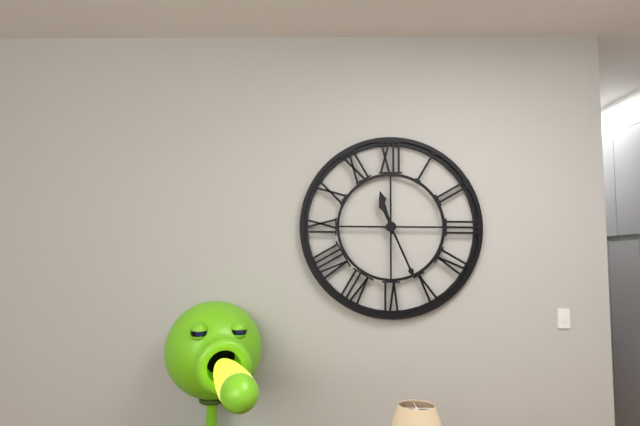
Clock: 11.26
